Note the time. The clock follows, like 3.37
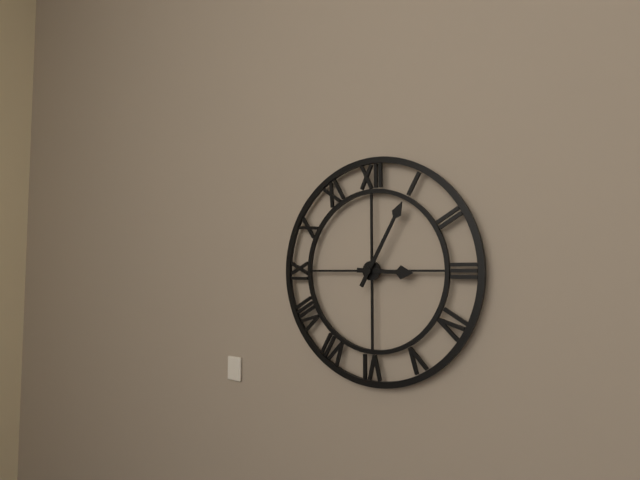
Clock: 3.05
